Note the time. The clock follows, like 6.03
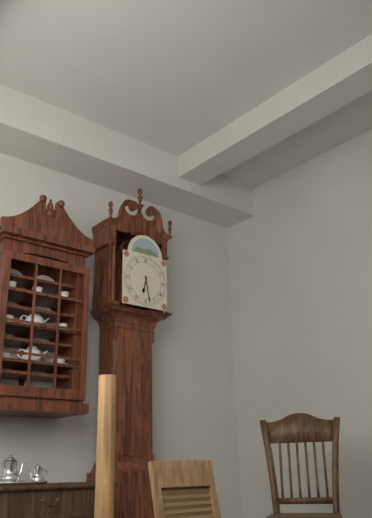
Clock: 6.28
